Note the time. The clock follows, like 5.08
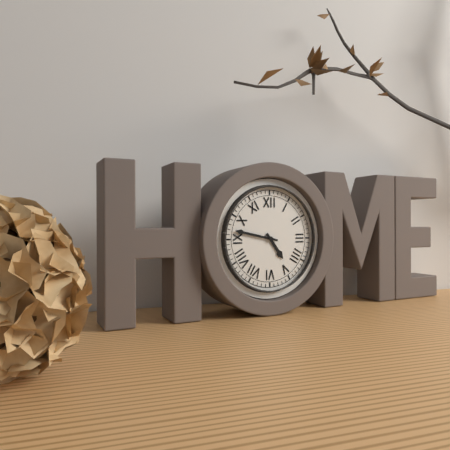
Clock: 4.47
